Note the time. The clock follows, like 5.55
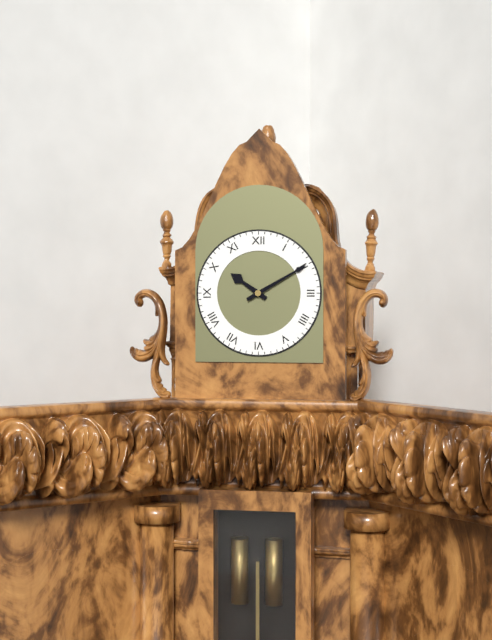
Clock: 10.10
